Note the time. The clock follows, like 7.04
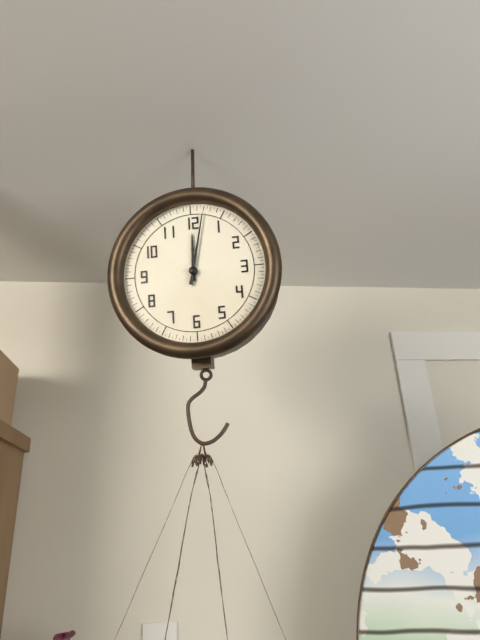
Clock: 12.02
